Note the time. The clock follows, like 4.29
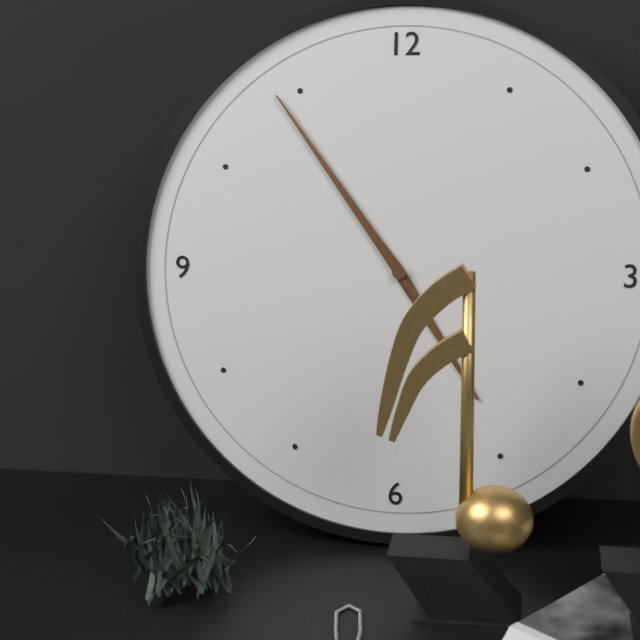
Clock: 4.54
